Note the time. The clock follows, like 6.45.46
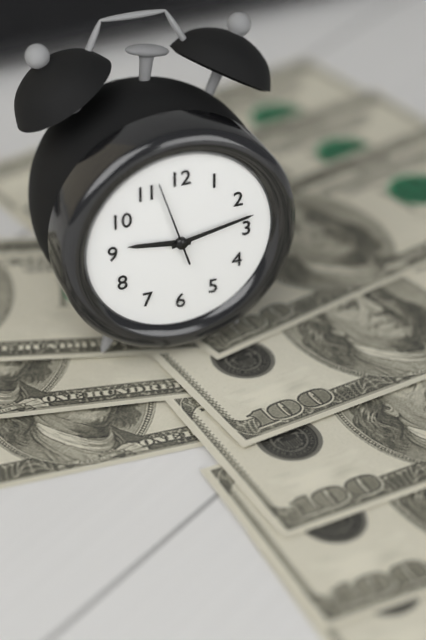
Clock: 9.13.57
